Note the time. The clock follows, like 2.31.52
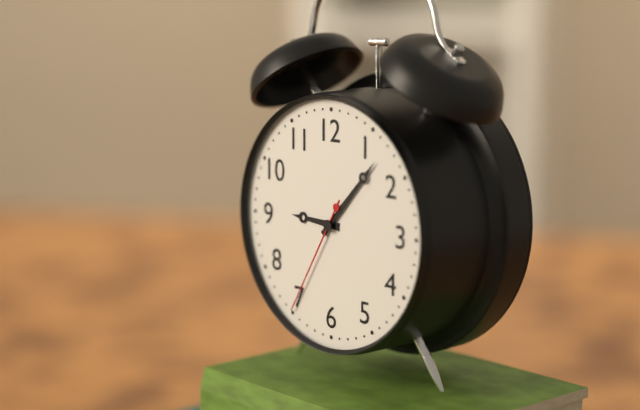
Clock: 9.07.35
